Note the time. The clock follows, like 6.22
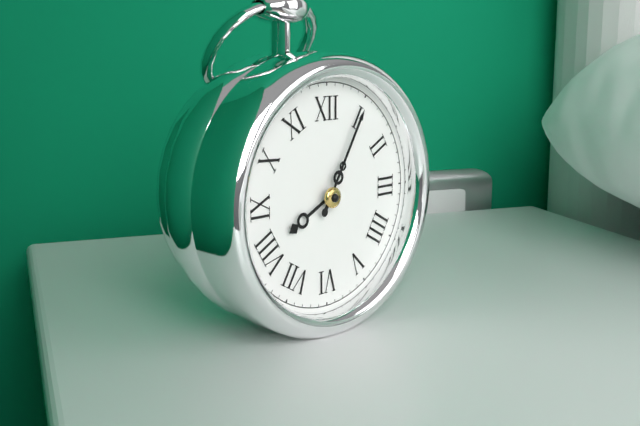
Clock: 8.05
